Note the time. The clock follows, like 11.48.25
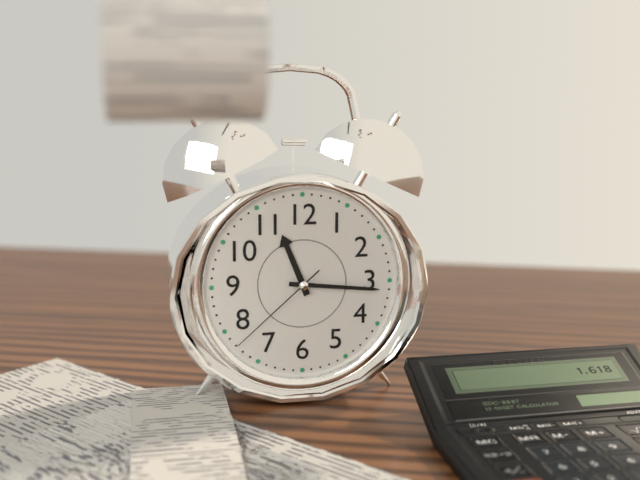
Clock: 11.16.38
